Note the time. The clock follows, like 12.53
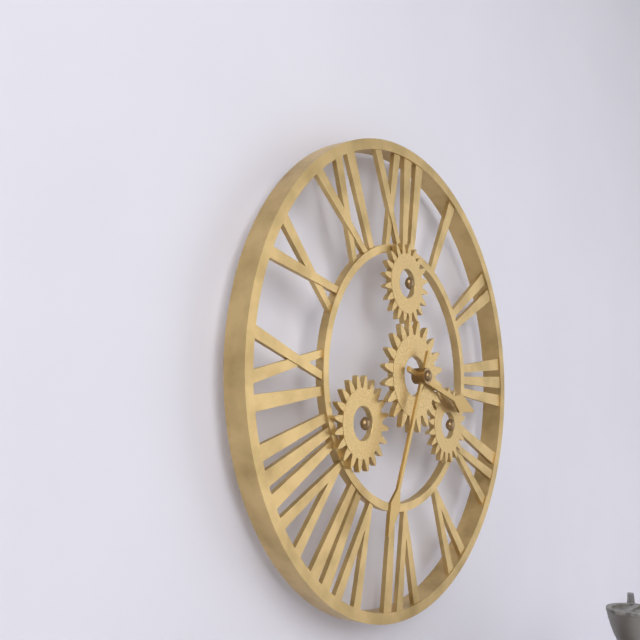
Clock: 3.34
